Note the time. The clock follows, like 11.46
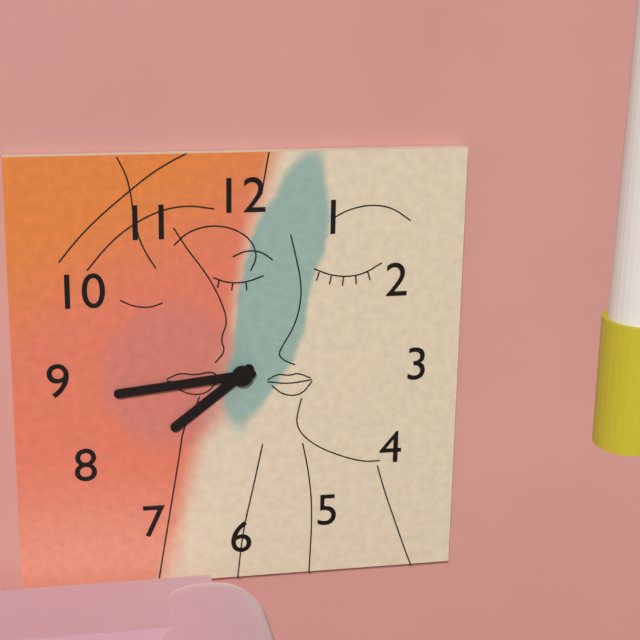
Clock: 7.44
